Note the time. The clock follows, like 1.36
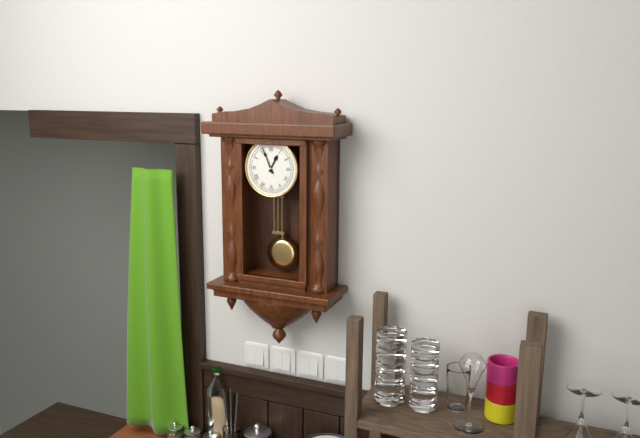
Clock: 12.56
